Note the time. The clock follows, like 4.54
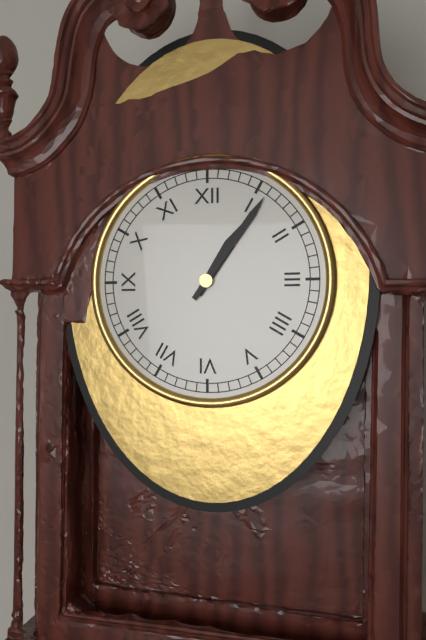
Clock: 1.06
